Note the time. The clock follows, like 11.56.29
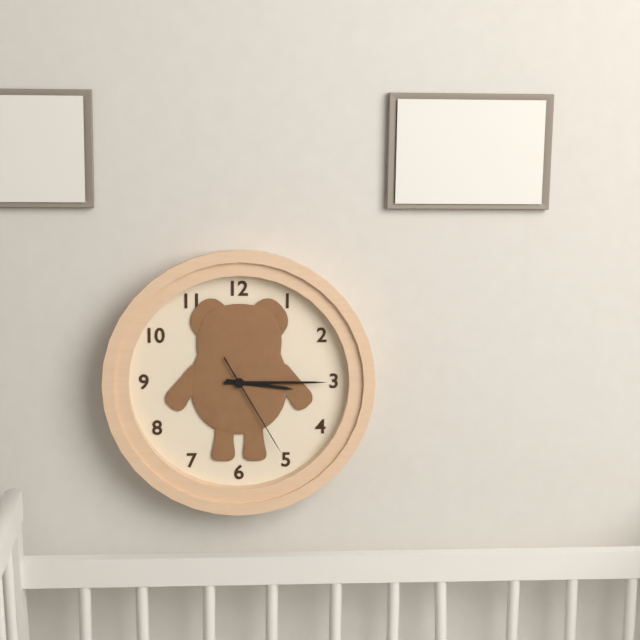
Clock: 3.15.25
